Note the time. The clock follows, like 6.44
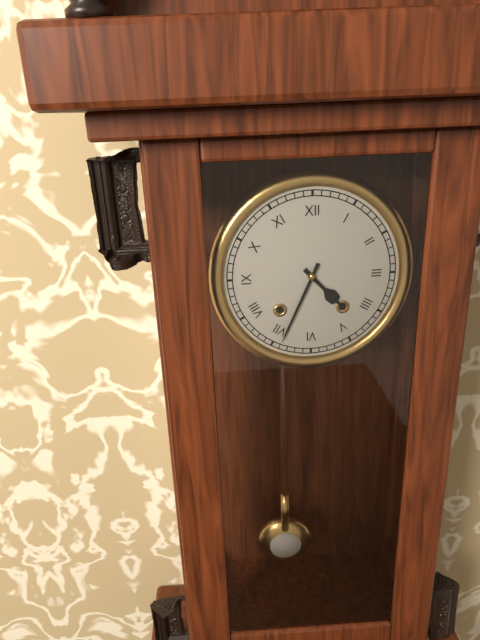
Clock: 4.34
